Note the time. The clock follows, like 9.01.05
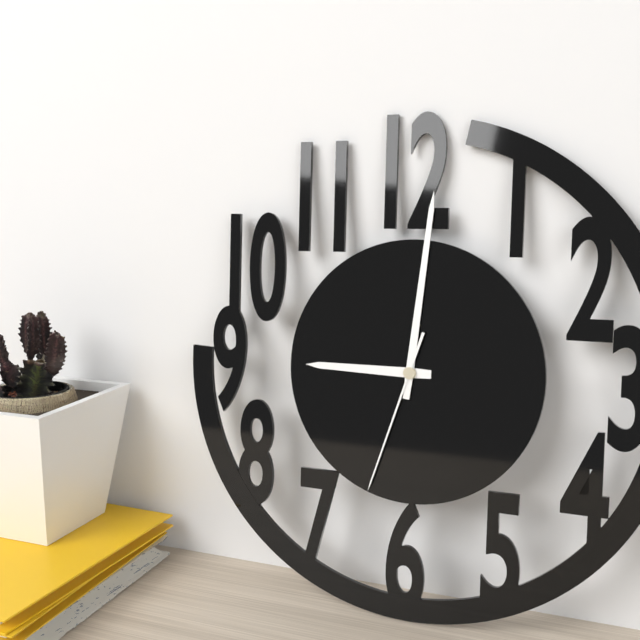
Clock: 9.01.33
